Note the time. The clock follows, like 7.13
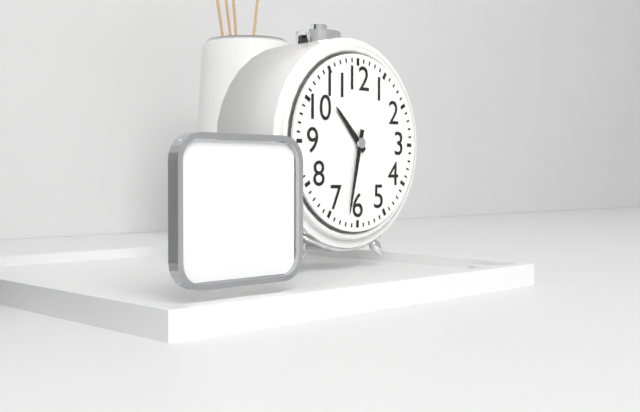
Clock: 10.32
